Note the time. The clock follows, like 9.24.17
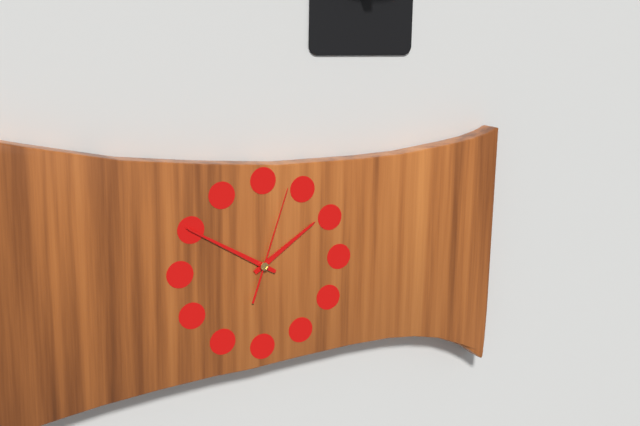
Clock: 1.50.03
